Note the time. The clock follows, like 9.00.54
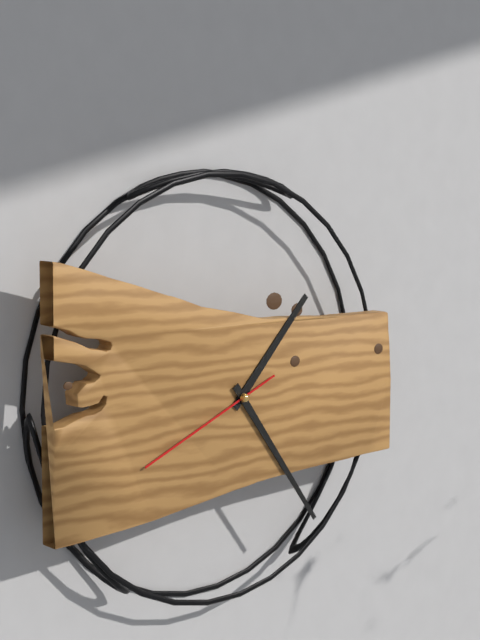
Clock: 1.24.41
